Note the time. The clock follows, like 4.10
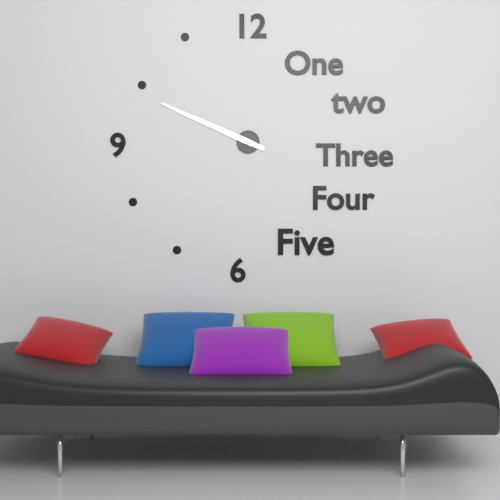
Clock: 9.49
